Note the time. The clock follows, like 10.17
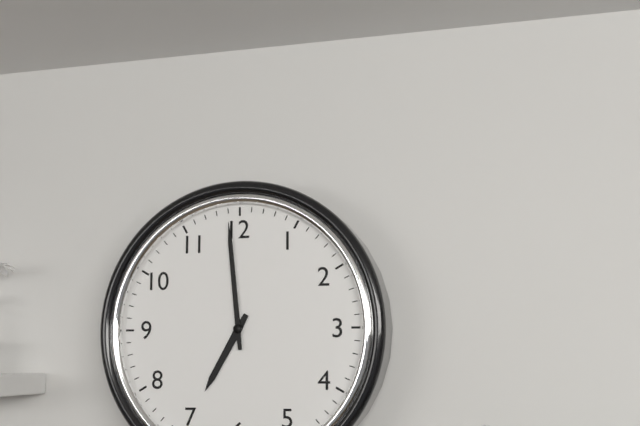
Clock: 6.59
